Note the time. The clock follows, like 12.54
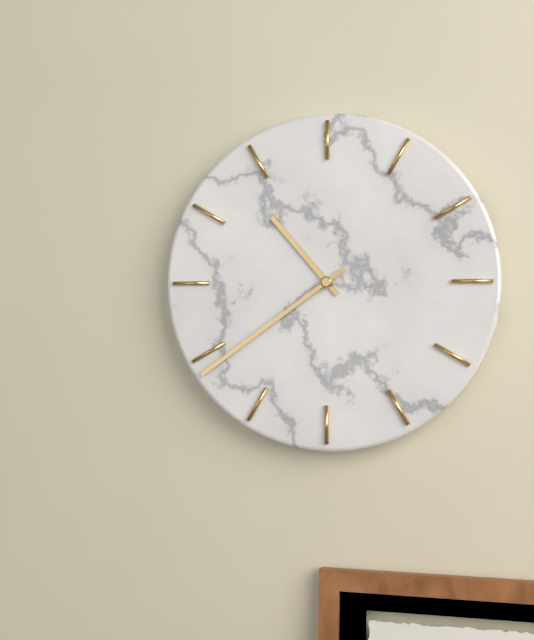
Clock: 10.39
